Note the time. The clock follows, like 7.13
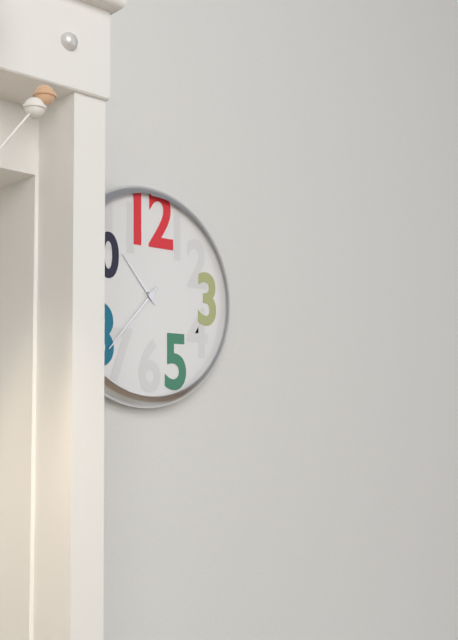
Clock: 10.37
